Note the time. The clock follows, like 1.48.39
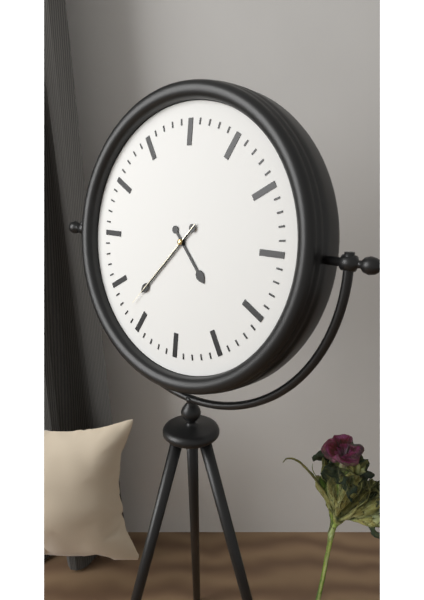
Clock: 4.37.37
